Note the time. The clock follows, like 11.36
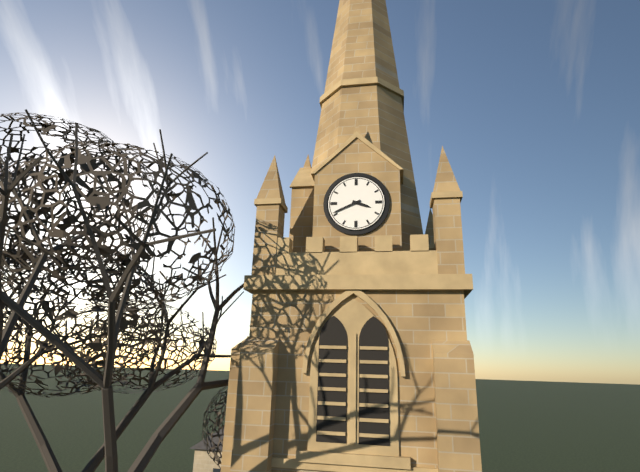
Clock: 3.41
